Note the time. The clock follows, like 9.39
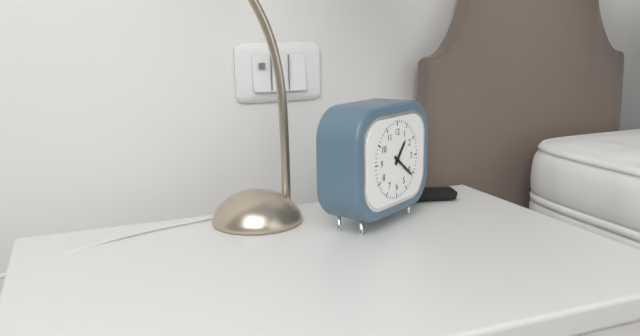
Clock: 1.21
